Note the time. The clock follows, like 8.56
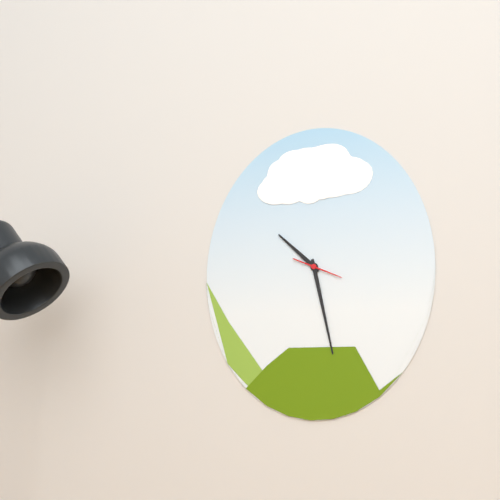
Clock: 10.28
